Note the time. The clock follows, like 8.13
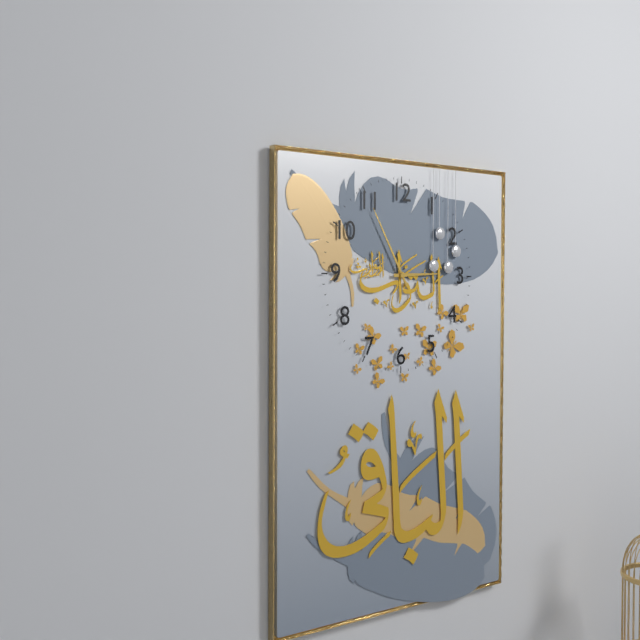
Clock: 2.55
